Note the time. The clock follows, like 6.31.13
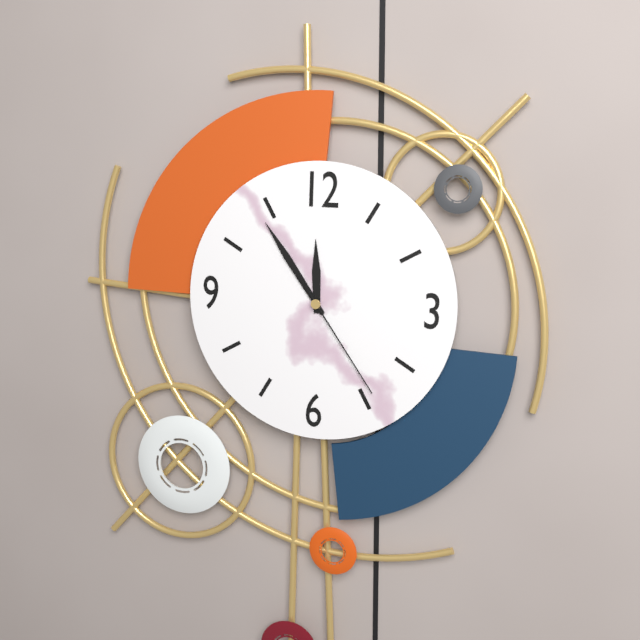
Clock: 11.54.24
